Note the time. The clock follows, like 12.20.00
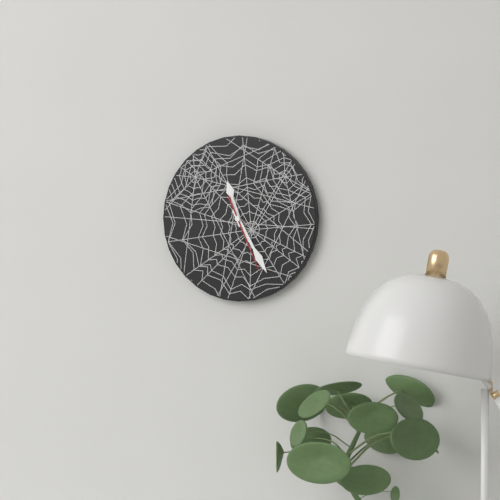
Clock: 11.25.26
